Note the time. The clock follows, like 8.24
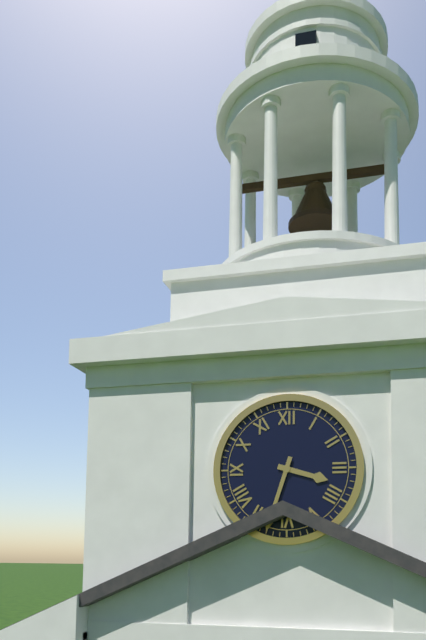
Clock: 3.33
